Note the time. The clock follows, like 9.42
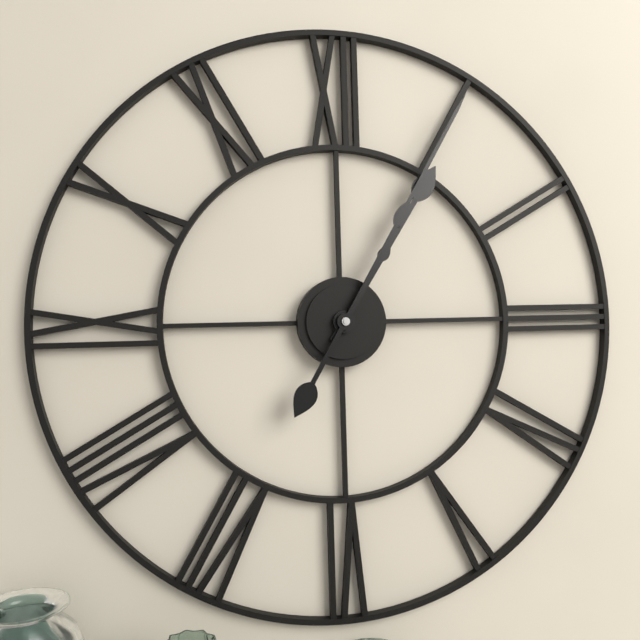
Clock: 1.05
